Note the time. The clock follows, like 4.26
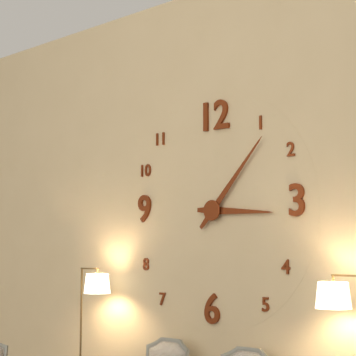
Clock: 3.07
